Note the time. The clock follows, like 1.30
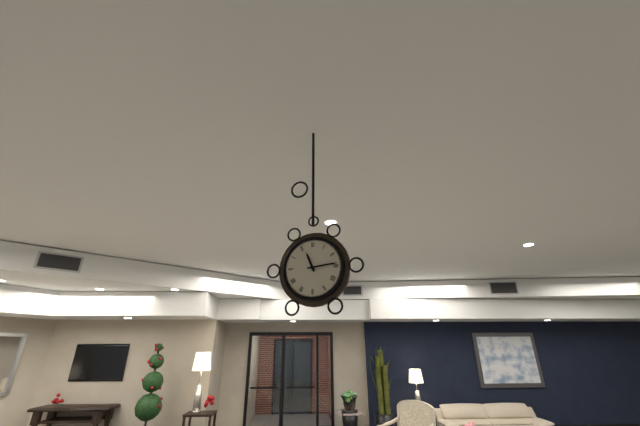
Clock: 11.14
